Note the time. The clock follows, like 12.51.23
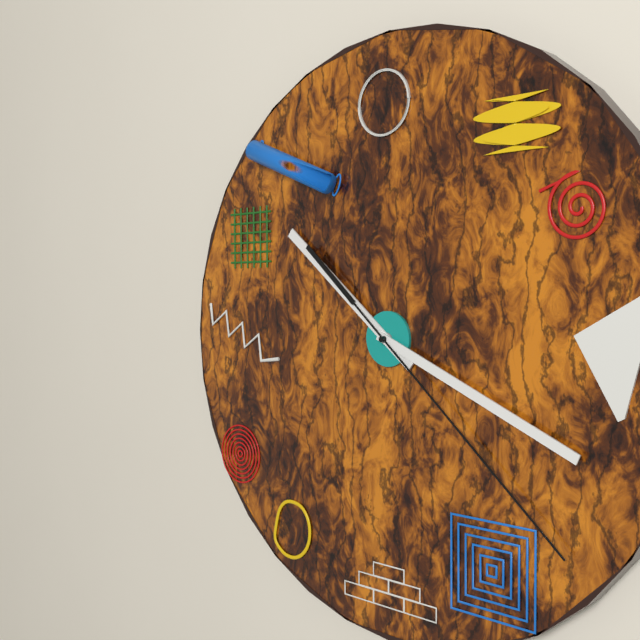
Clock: 10.19.22
